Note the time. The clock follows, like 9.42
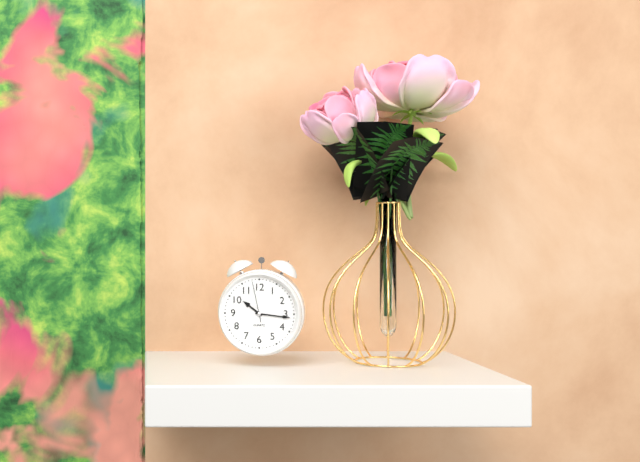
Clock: 10.16
